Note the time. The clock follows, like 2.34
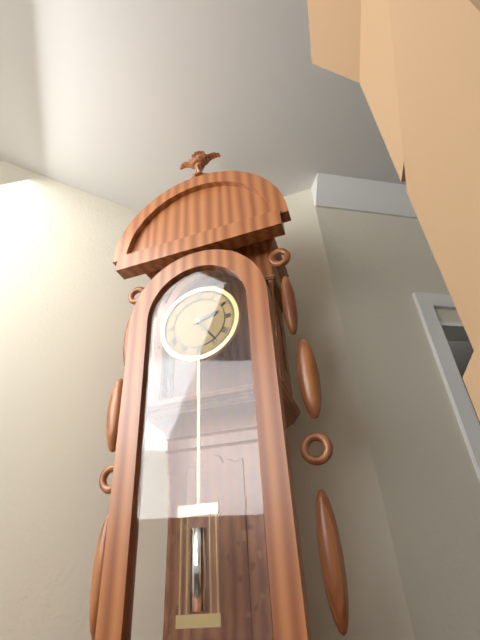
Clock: 2.24
